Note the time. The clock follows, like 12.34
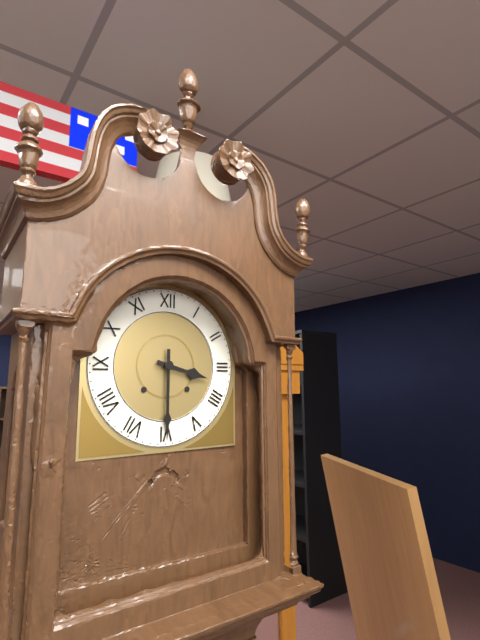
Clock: 3.30
